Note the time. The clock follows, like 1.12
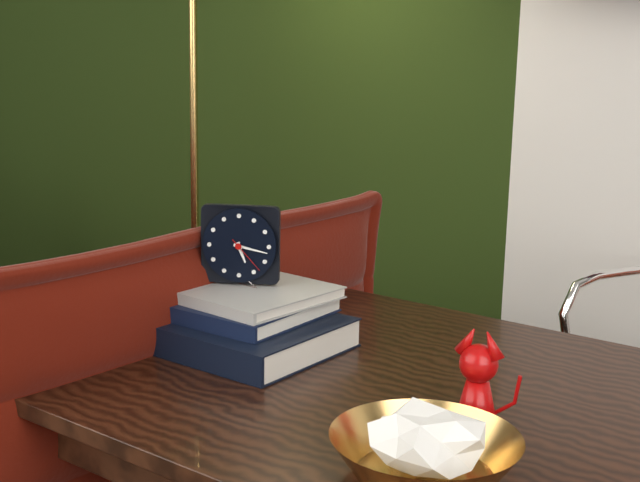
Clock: 5.17
